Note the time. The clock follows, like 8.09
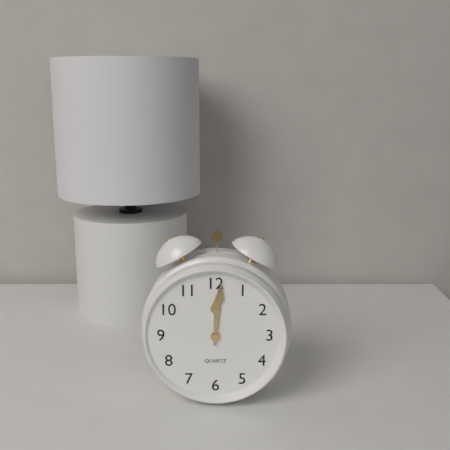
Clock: 12.01
